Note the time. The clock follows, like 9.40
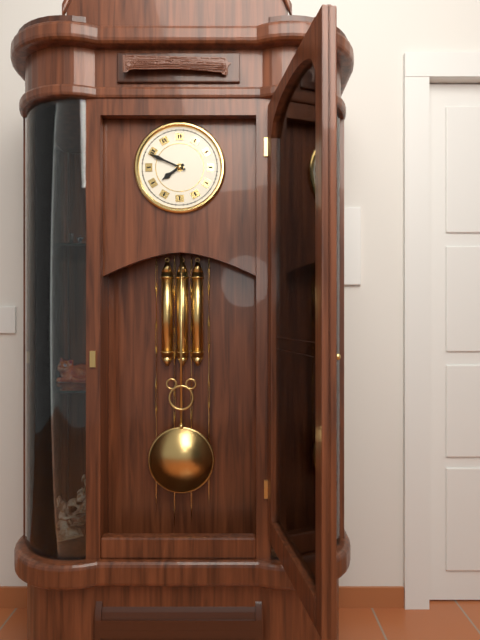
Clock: 7.49
